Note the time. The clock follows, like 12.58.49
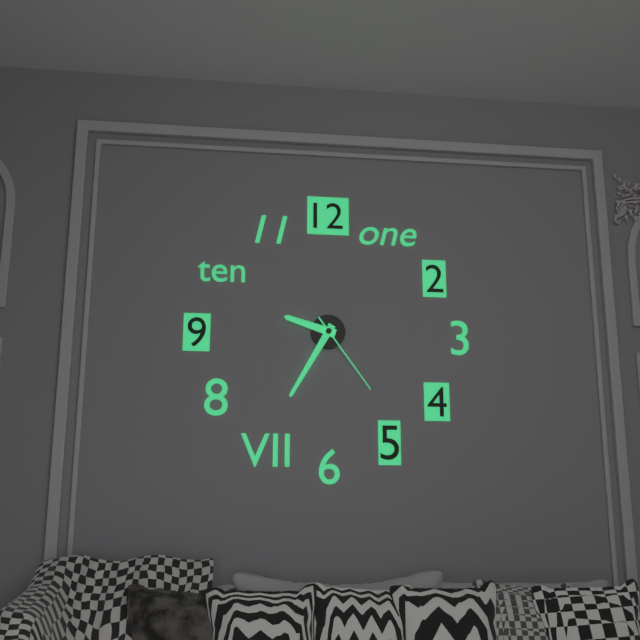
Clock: 9.35.24
